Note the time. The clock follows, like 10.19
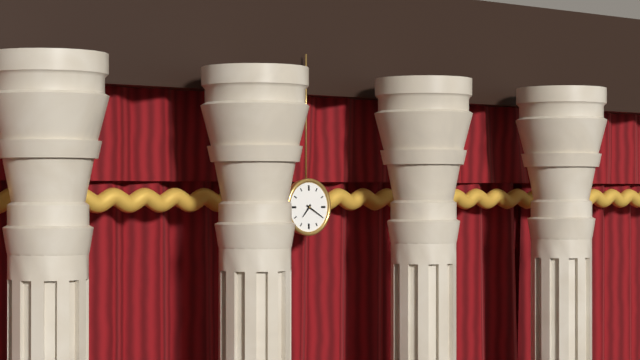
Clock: 7.20
